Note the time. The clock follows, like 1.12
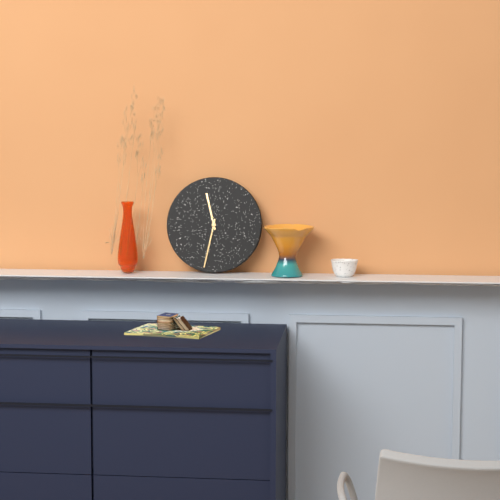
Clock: 11.32
